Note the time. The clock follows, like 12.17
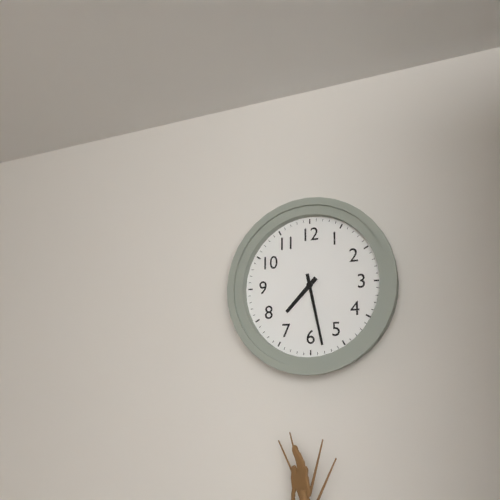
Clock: 7.28
